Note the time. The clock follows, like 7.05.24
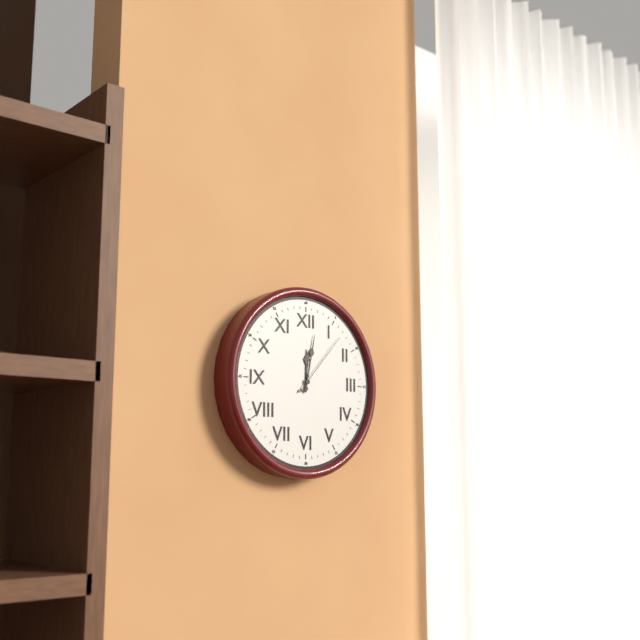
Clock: 12.02.07
